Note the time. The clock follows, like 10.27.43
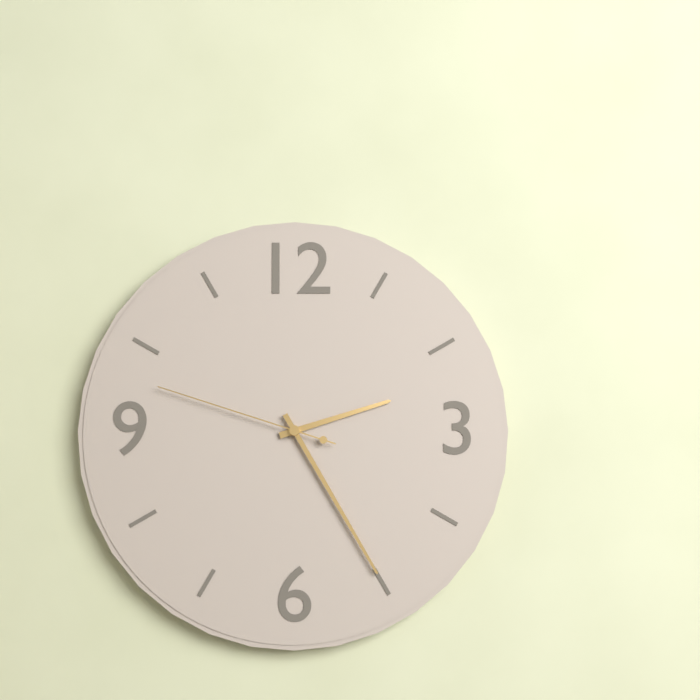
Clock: 2.25.48
